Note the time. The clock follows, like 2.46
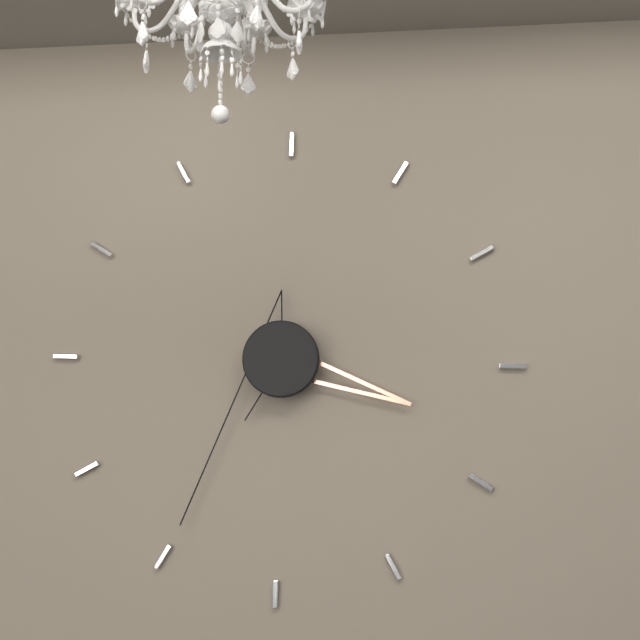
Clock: 3.35
